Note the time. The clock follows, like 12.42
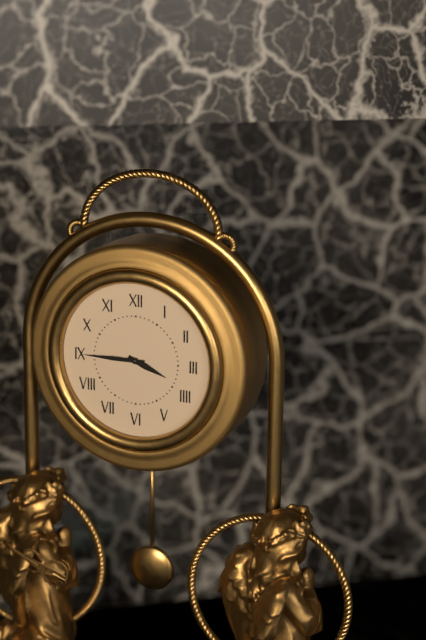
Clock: 3.45
